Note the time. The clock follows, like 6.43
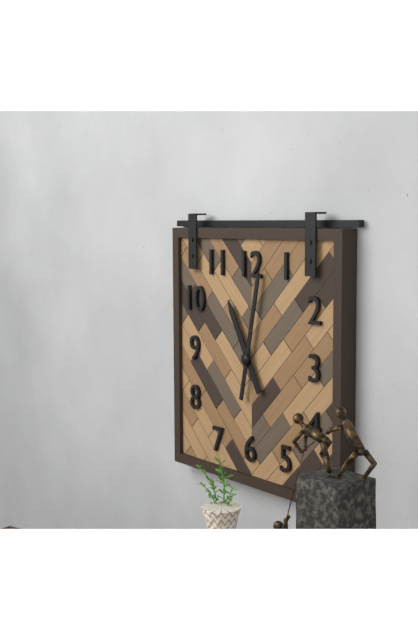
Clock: 11.02
